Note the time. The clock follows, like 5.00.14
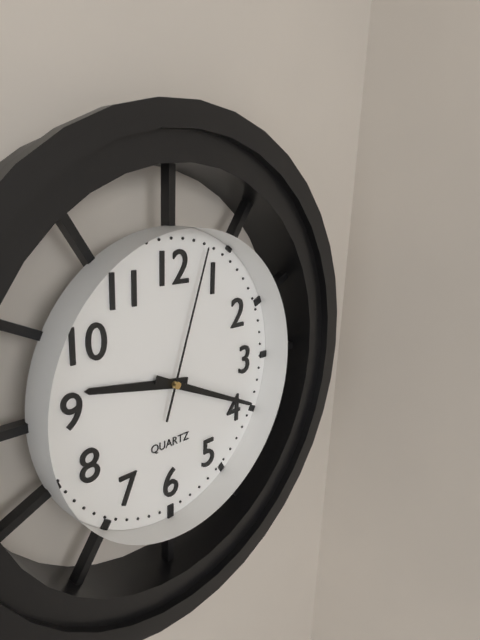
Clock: 9.19.03
